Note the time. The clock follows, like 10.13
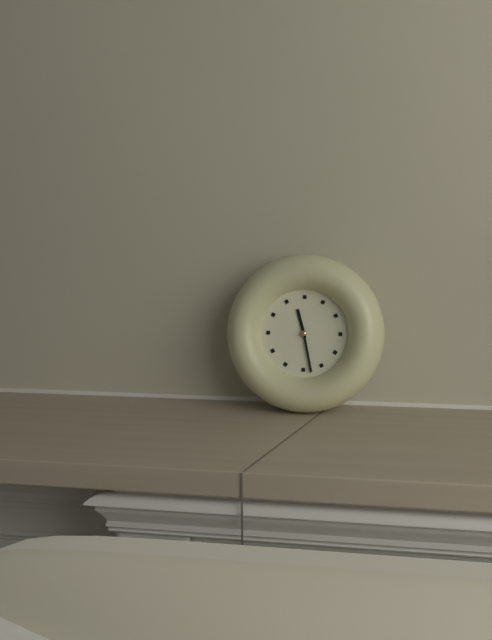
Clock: 11.28
